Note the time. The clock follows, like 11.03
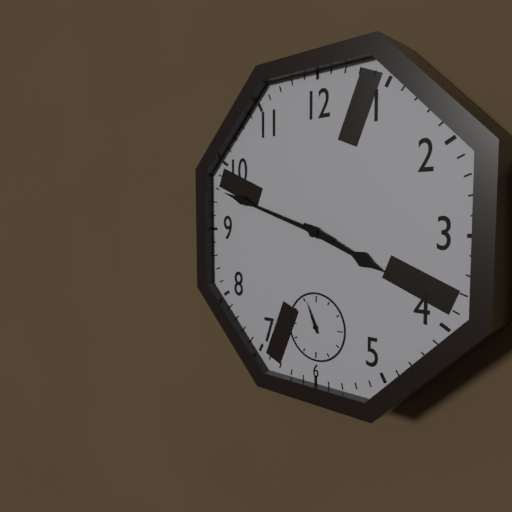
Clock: 3.48
